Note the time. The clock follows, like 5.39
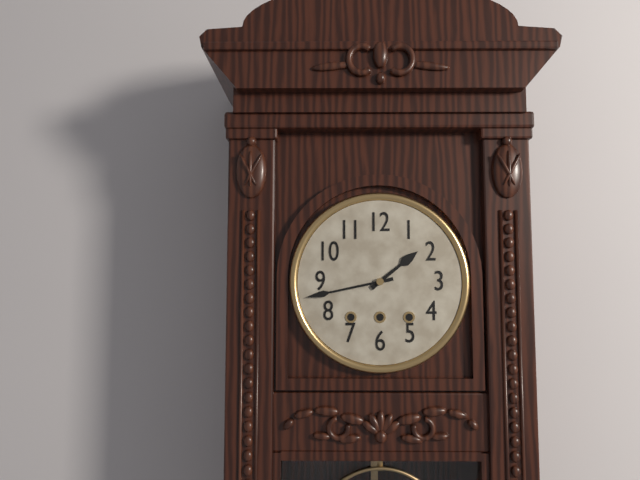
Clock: 1.43
